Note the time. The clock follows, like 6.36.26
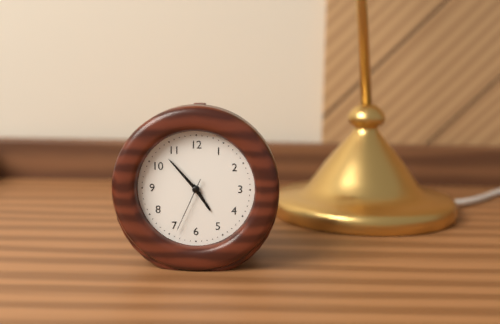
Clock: 4.53.34
